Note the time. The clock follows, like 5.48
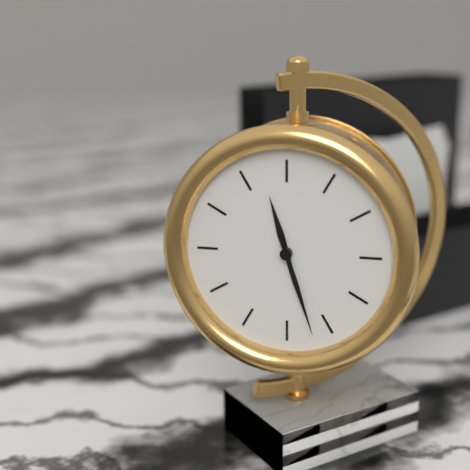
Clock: 11.27
